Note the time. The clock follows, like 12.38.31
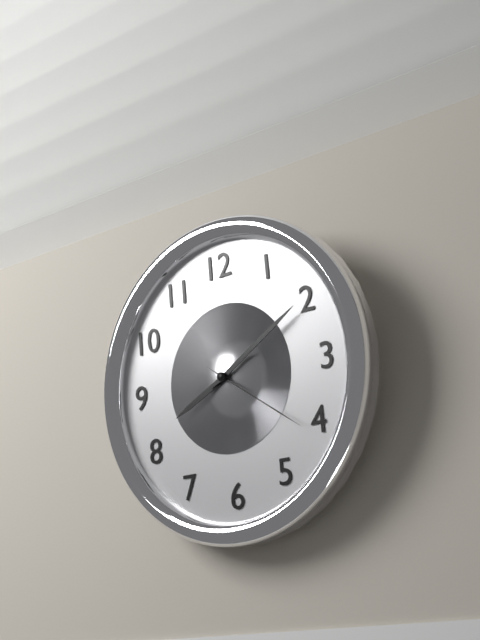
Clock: 8.10.21
